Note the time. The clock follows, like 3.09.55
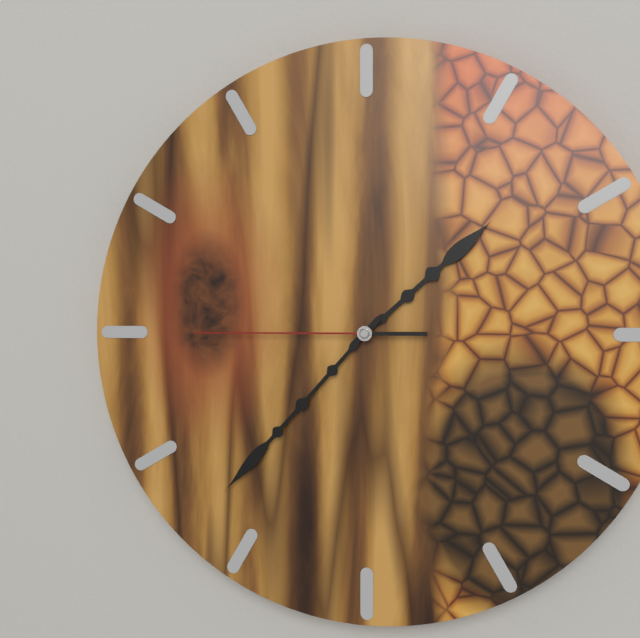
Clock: 1.37.45
